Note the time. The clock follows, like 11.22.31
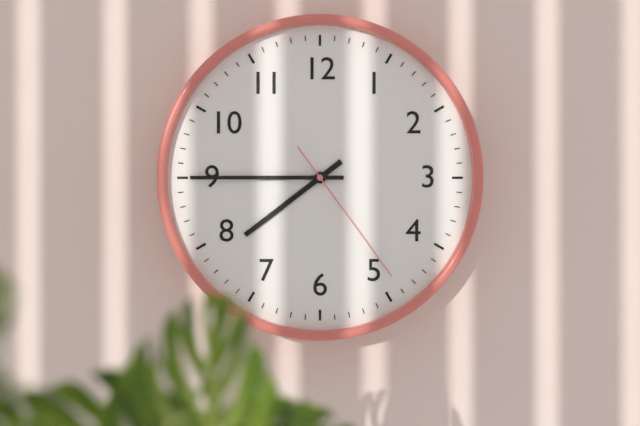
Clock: 7.45.24
